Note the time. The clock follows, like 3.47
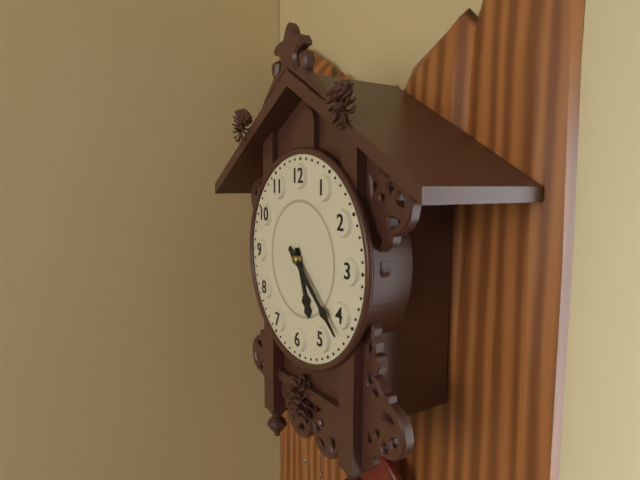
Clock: 5.22
